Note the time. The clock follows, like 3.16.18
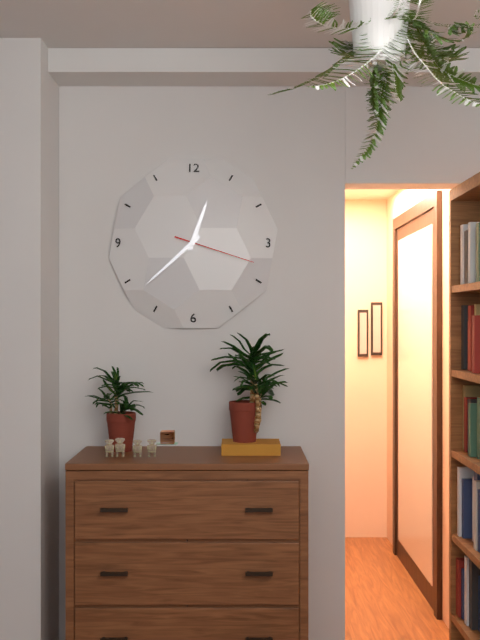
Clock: 12.38.18
